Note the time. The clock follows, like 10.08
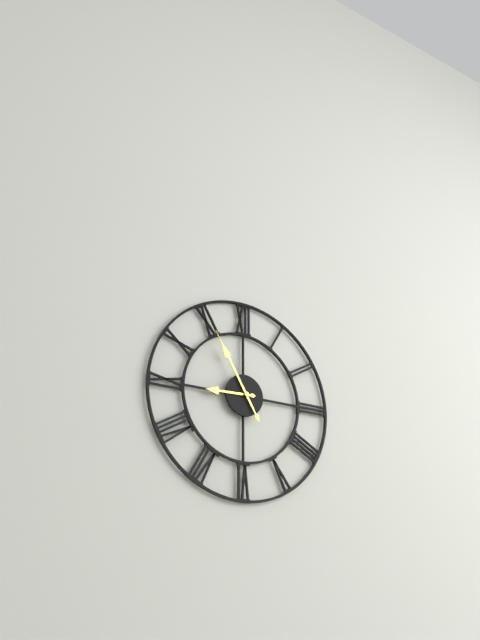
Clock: 8.55
